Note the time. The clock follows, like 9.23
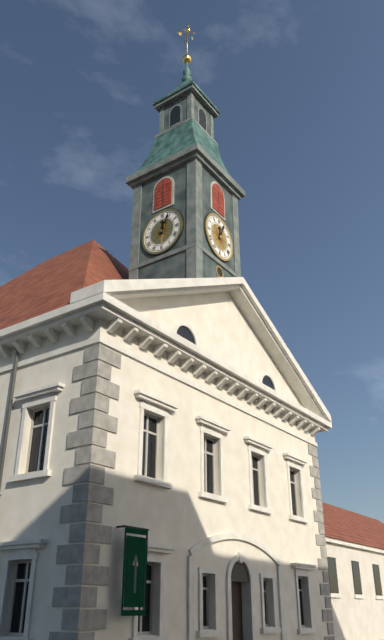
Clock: 12.04
